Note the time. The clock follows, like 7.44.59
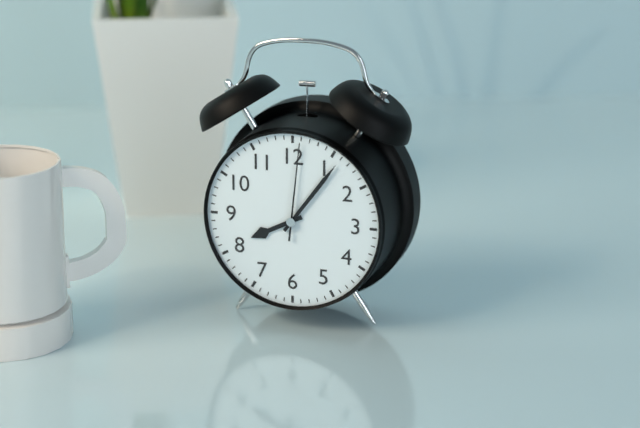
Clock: 8.06.01
